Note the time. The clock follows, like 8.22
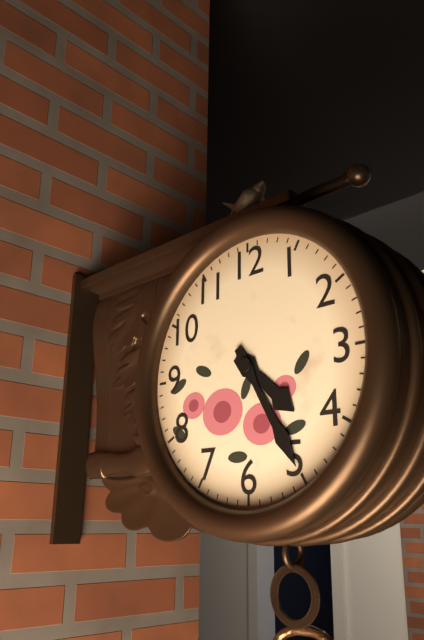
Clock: 4.25
